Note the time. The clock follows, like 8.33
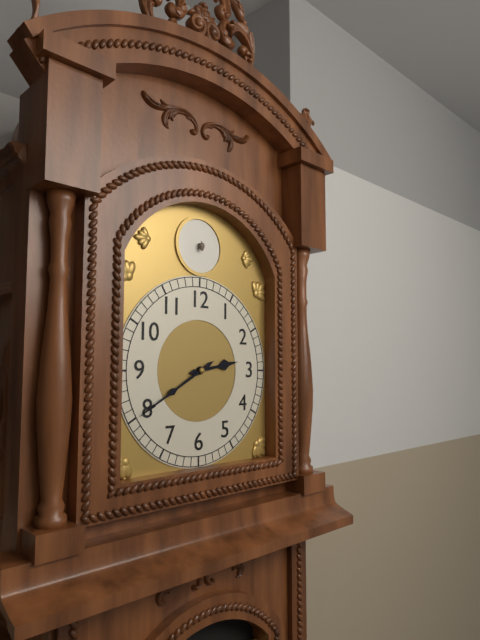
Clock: 2.40
